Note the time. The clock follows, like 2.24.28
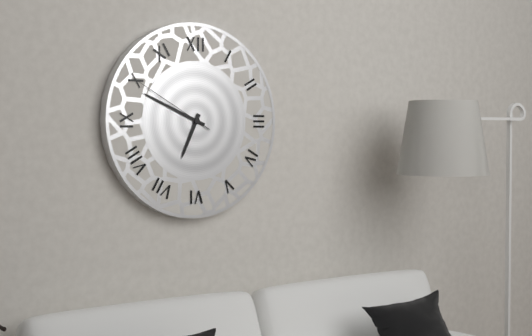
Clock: 6.49.50
